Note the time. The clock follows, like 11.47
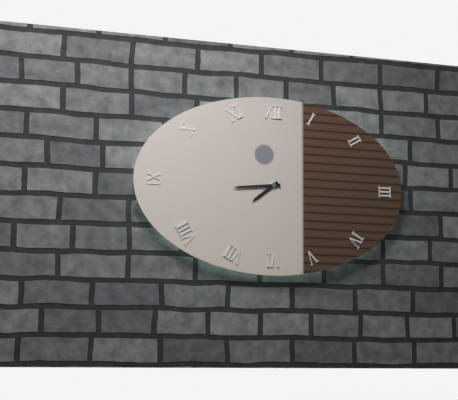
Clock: 7.44
